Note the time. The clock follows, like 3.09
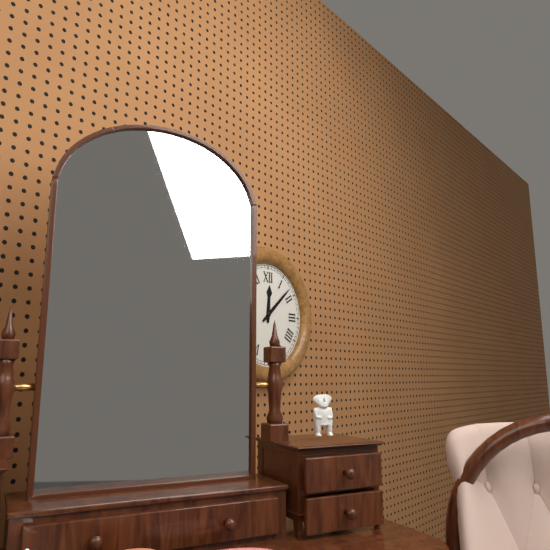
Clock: 12.08
